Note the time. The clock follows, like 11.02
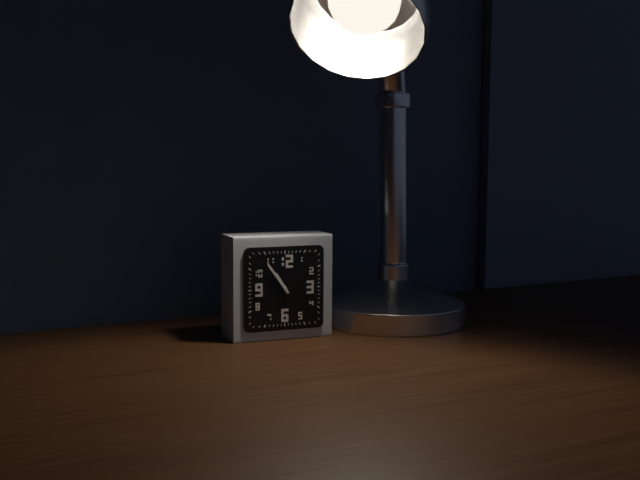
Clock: 10.54
